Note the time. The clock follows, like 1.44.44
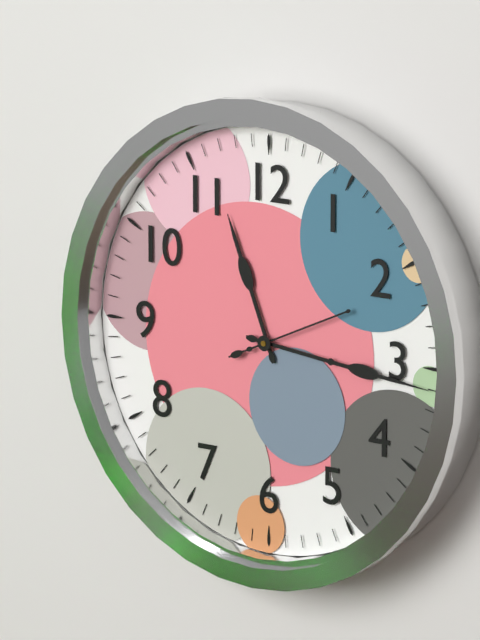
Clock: 11.16.11
